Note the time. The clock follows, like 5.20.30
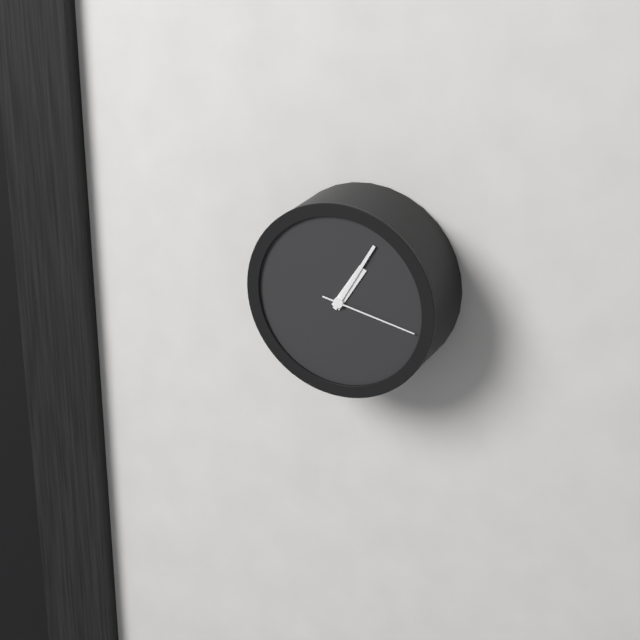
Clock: 1.05.17
